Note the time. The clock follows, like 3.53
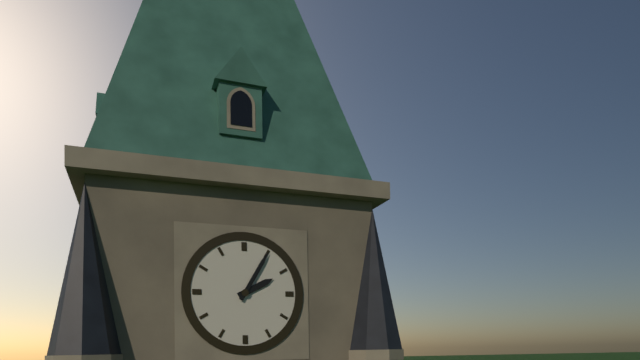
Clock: 2.05
